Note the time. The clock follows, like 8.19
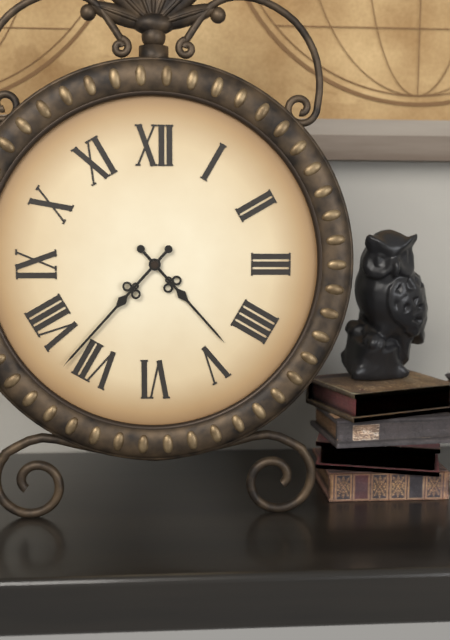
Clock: 4.37
